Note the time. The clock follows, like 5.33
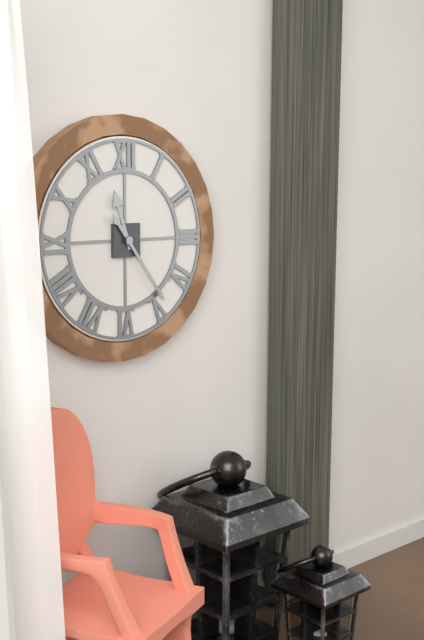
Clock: 11.24
